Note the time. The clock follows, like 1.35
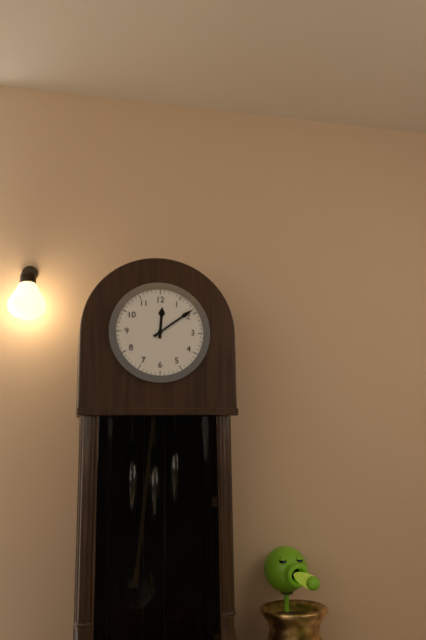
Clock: 12.09
